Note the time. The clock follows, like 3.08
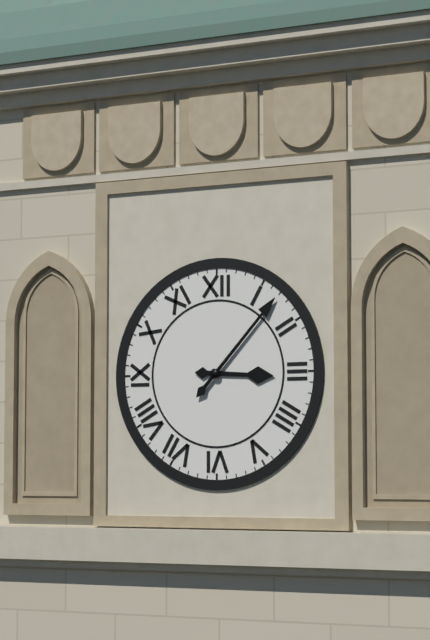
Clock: 3.07
